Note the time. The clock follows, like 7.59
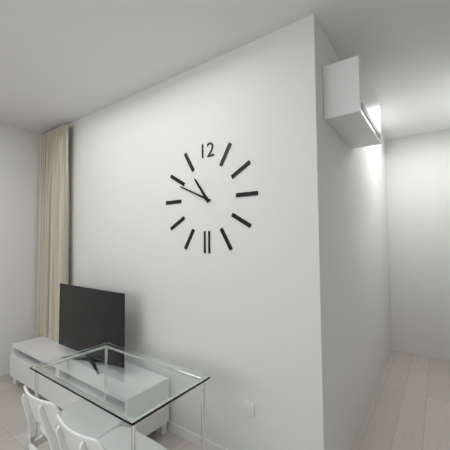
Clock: 10.49
